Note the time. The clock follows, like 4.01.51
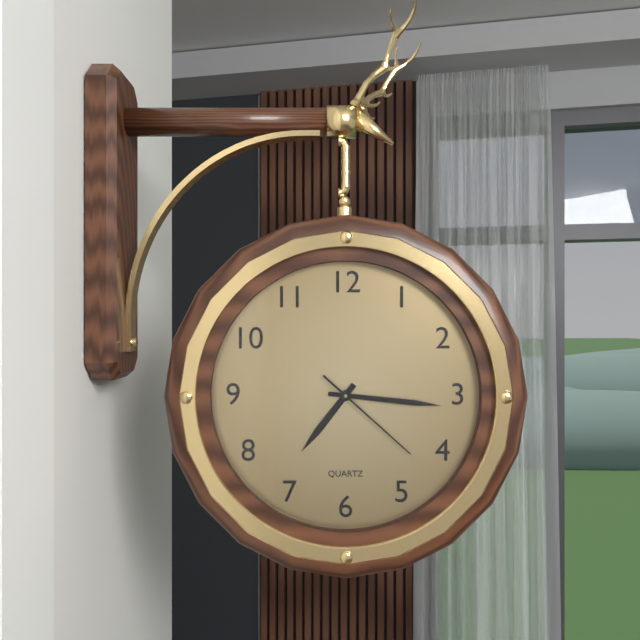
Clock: 7.16.22
